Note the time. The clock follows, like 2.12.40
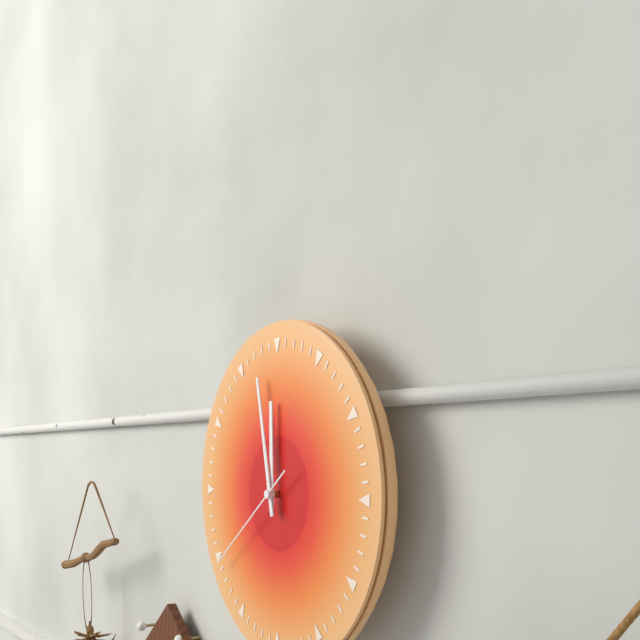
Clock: 11.58.39
